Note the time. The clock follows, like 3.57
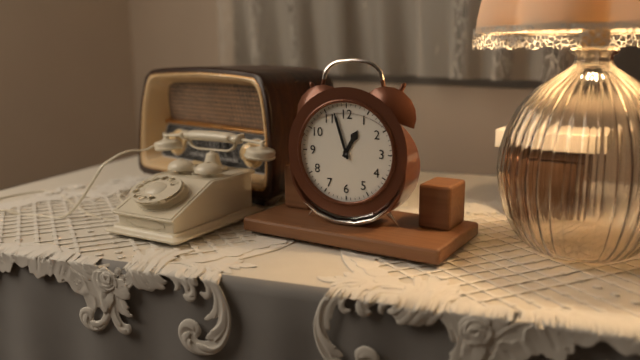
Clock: 12.57
